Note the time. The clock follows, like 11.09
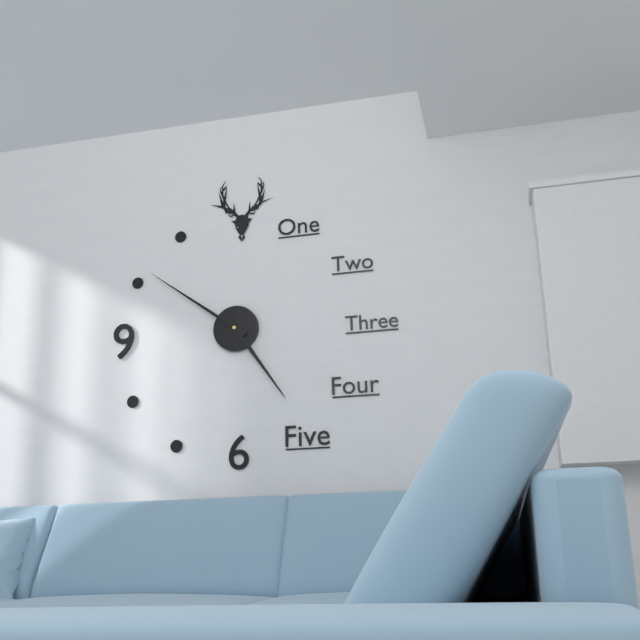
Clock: 4.51
